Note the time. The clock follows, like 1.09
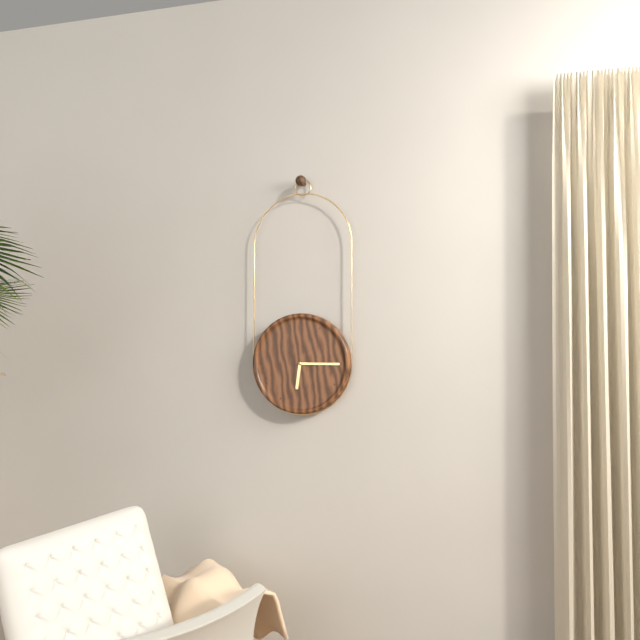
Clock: 6.15
